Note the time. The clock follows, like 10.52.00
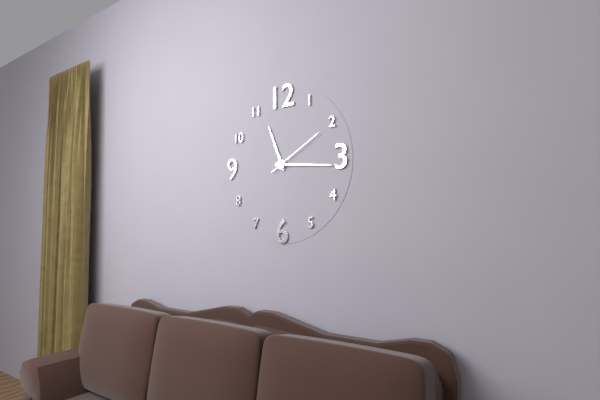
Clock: 11.16.10
